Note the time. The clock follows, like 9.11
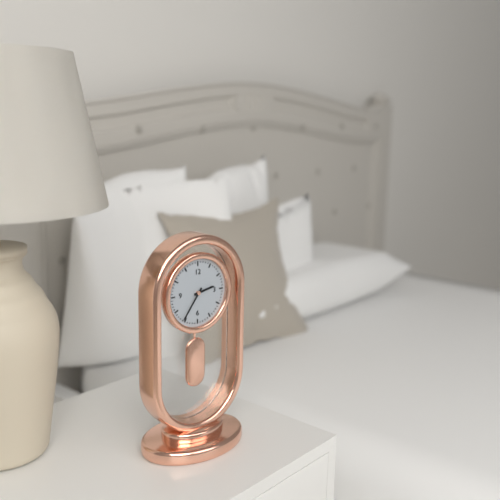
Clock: 2.36
